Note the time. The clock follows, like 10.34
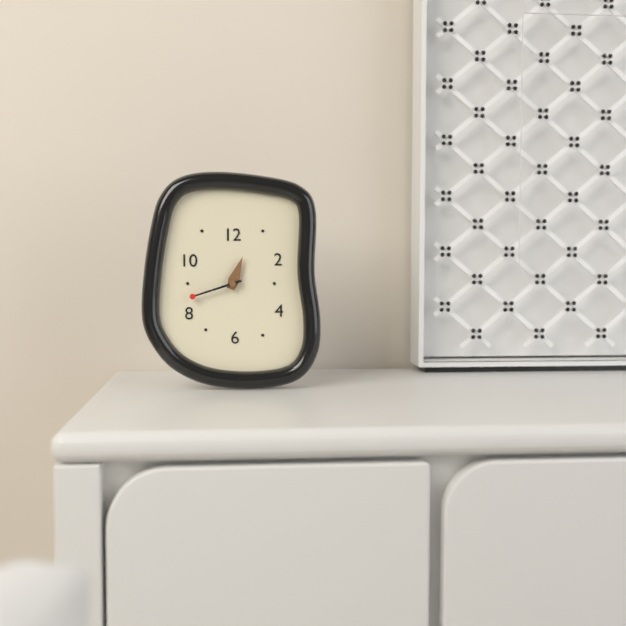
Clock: 12.42
